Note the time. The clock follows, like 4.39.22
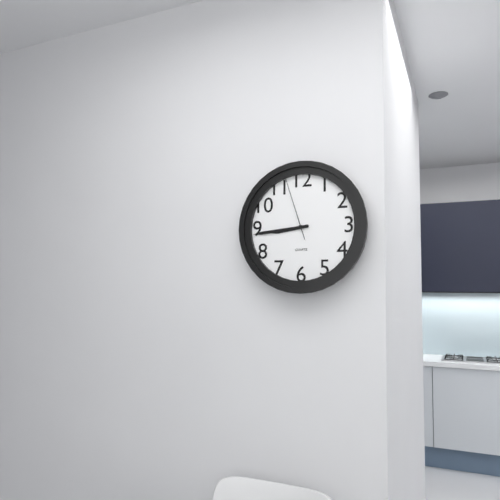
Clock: 8.44.57
